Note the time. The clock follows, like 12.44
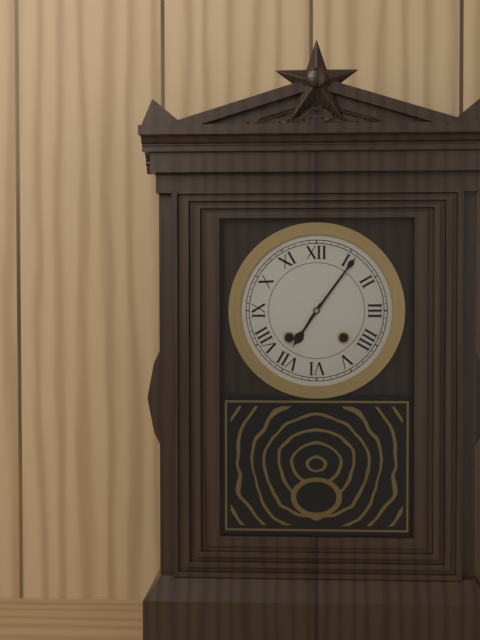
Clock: 7.06
